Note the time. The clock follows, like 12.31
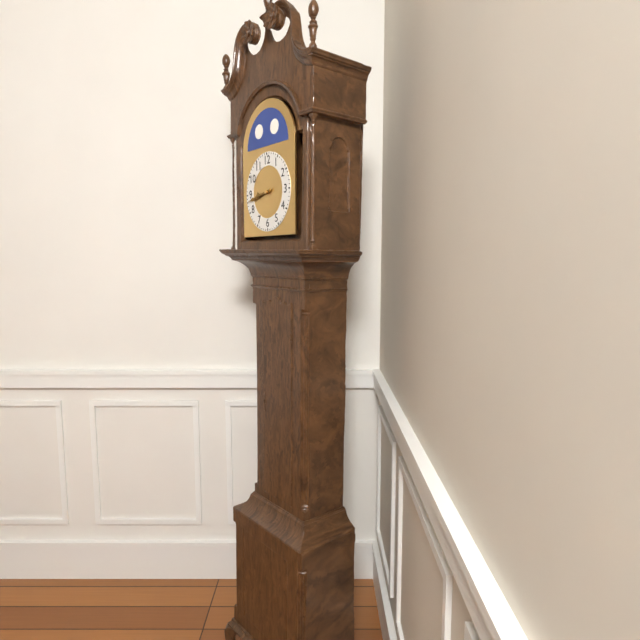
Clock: 8.43
